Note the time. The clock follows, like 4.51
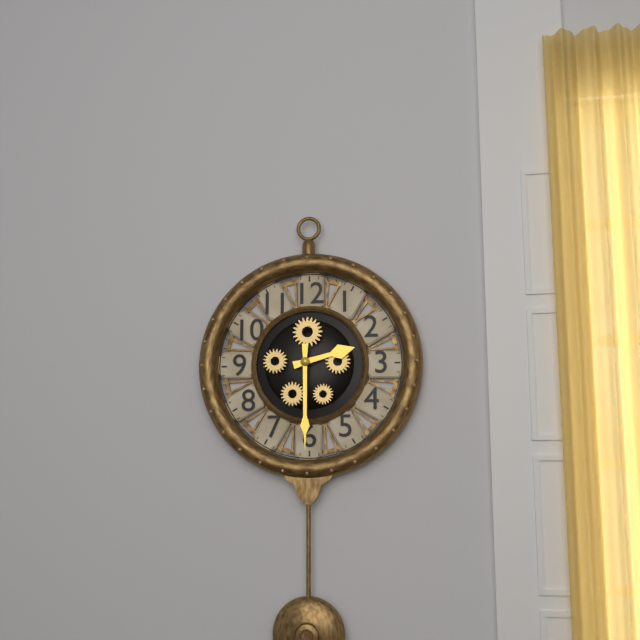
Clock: 2.30
